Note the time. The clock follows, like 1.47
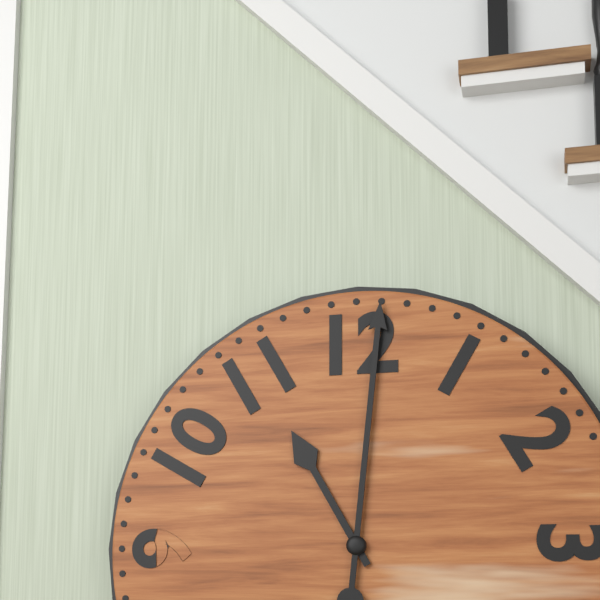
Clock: 11.01
